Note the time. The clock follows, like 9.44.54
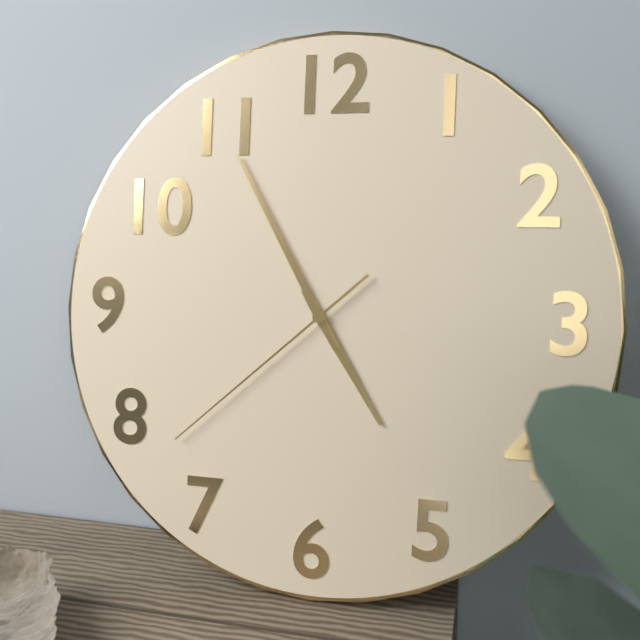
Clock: 4.55.38
